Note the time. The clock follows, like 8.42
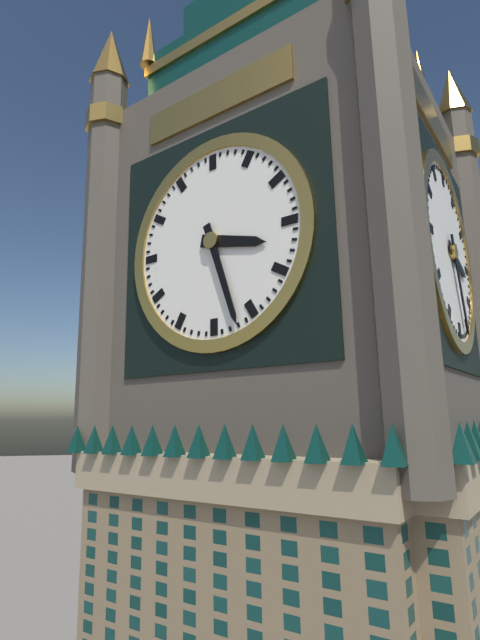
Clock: 3.27
